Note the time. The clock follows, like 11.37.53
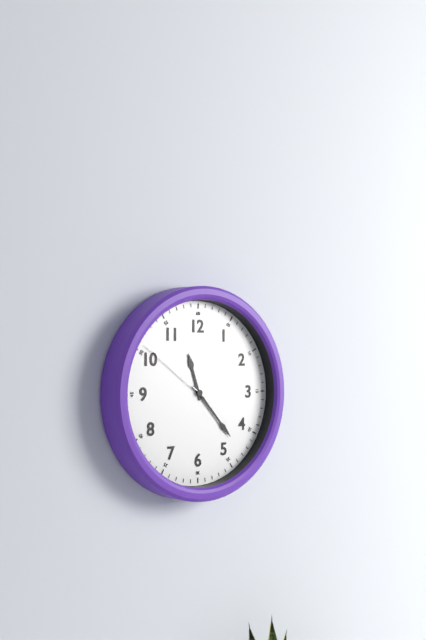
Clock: 11.23.51
